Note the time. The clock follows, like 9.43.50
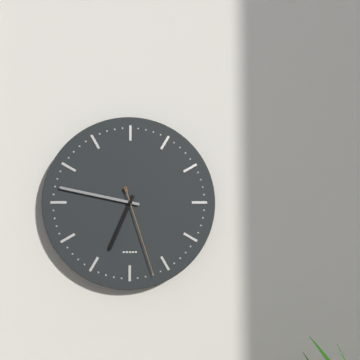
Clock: 6.47.27
